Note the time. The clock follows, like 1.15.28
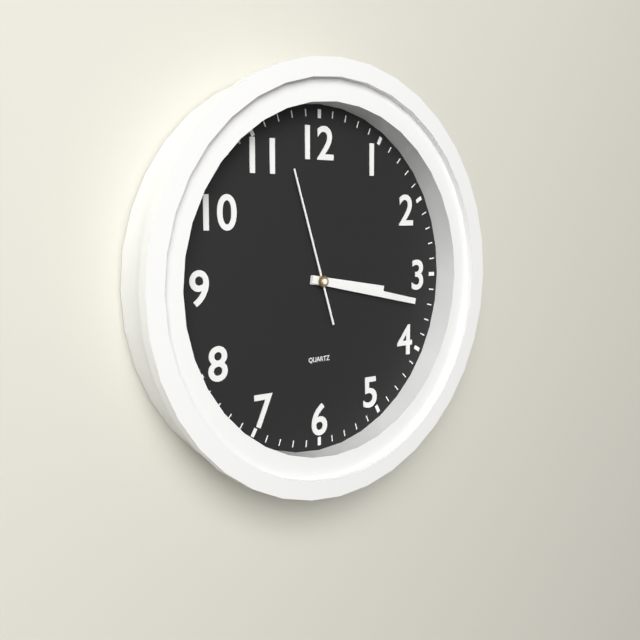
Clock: 3.17.57
